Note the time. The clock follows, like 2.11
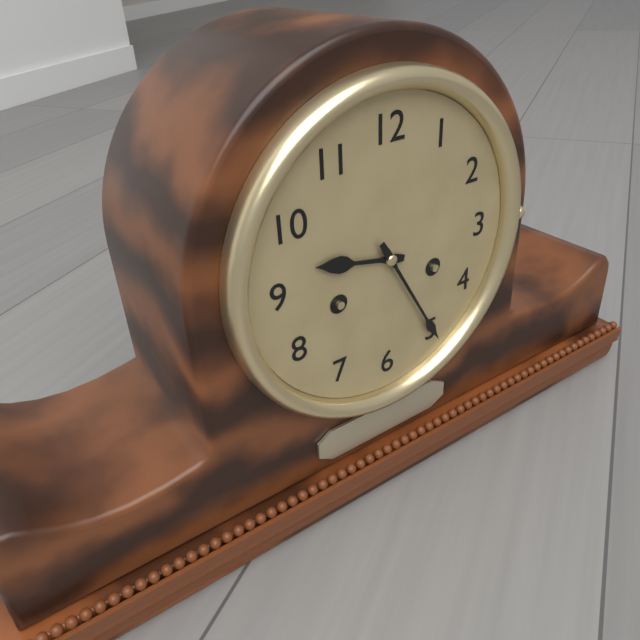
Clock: 9.25
